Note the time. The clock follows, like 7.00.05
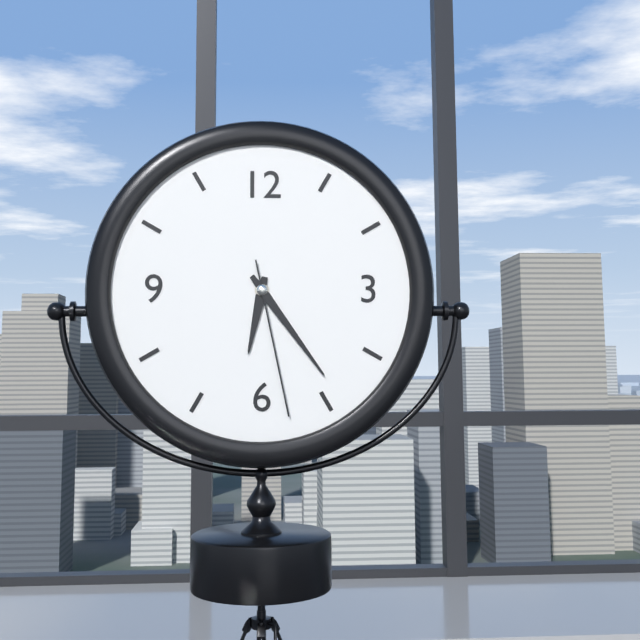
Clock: 6.24.28
